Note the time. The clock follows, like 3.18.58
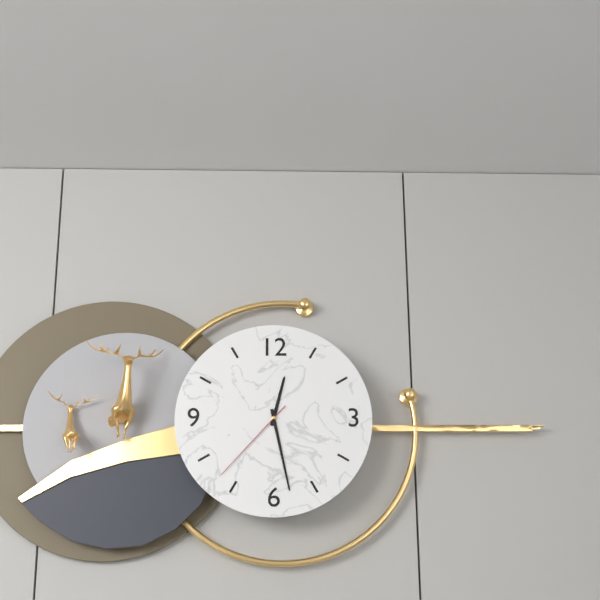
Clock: 12.28.37
